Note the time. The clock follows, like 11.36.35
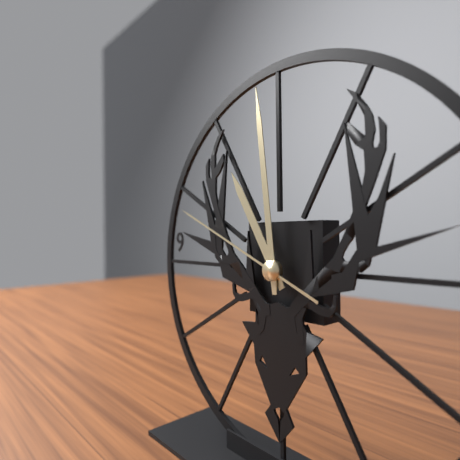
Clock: 10.59.49
